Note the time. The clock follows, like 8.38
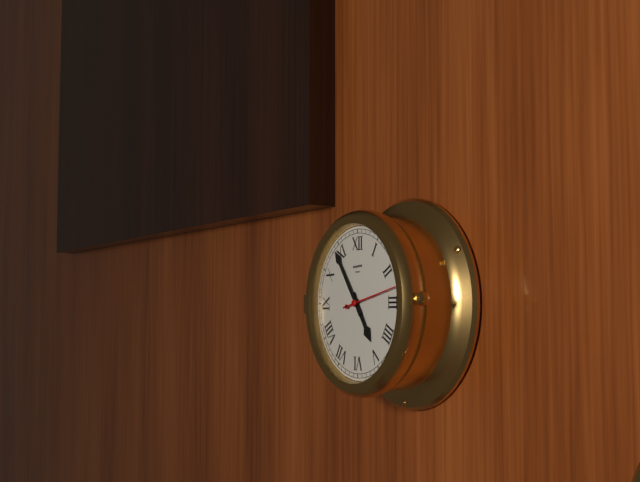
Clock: 4.54
